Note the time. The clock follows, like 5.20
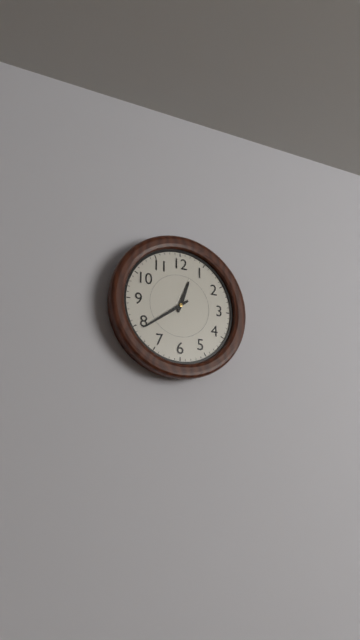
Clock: 12.39
